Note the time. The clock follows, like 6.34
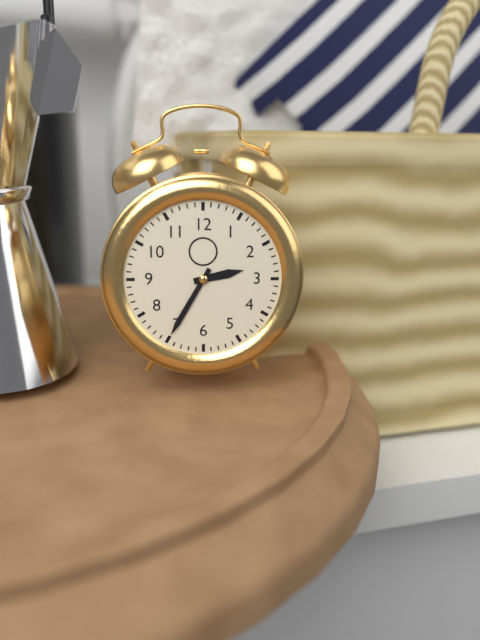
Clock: 2.35
